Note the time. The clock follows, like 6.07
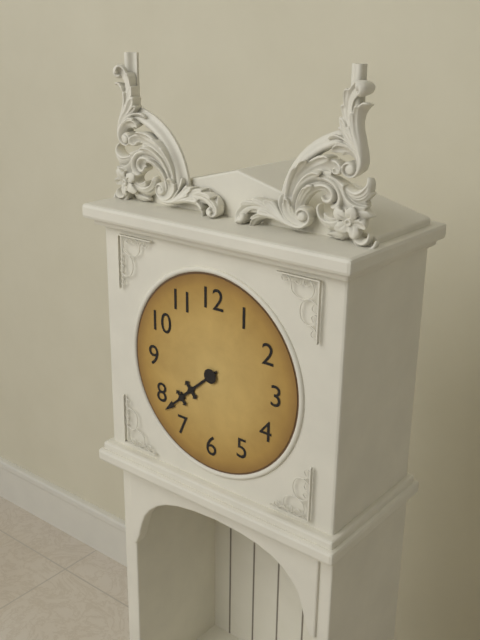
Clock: 7.38
